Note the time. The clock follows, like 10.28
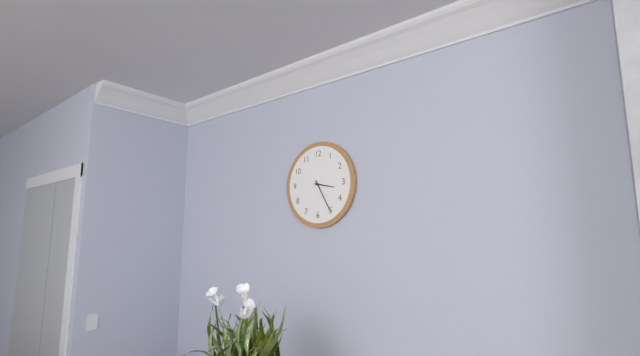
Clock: 3.25
